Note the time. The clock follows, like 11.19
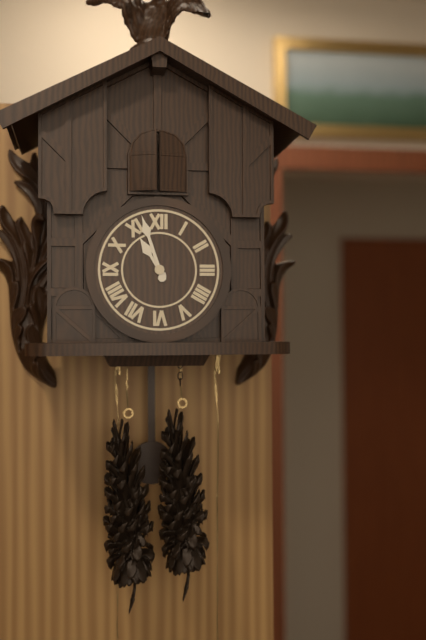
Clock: 10.57
